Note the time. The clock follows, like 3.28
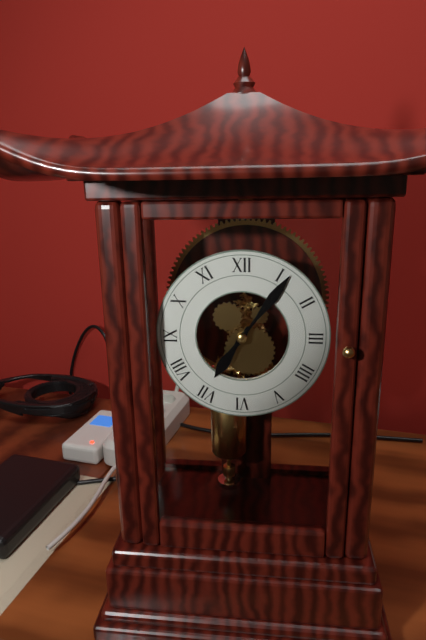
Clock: 7.06
